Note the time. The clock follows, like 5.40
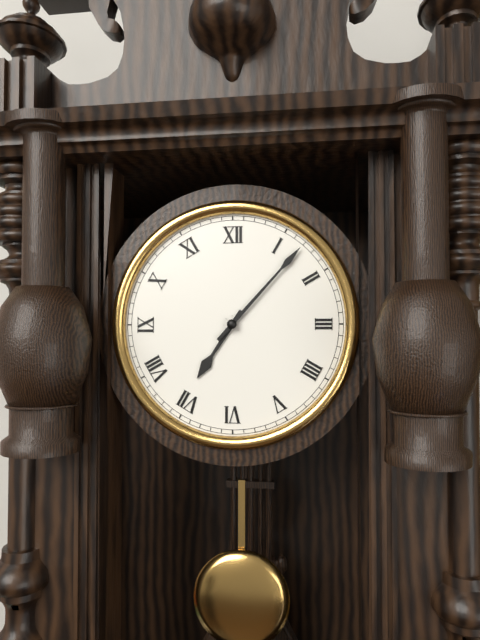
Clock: 7.07
